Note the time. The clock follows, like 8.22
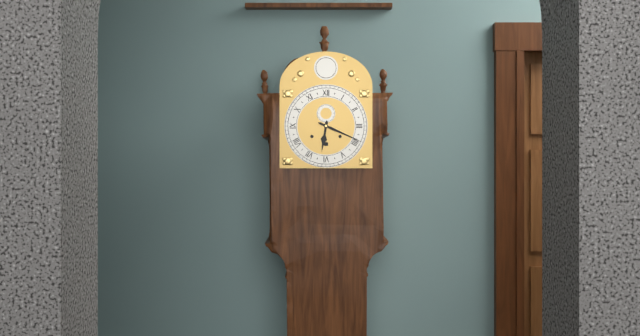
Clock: 6.19
